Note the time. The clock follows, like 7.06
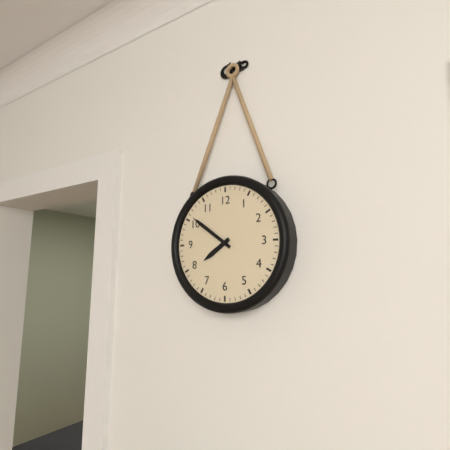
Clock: 7.51
